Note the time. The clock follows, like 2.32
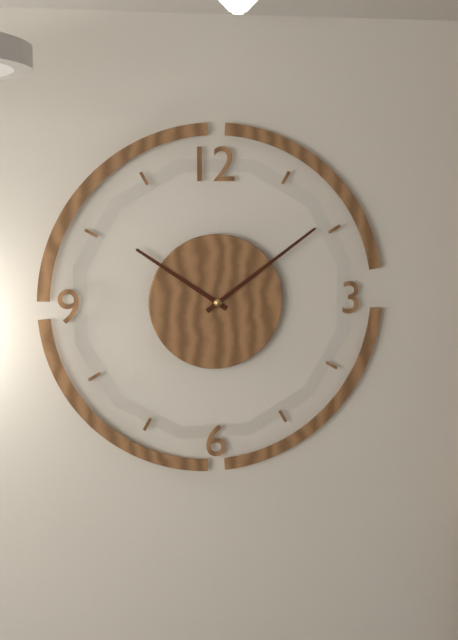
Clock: 10.09
